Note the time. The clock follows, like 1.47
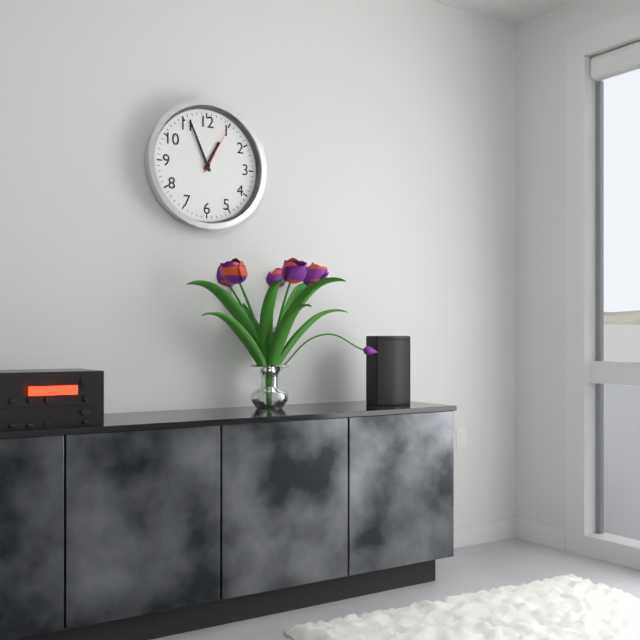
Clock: 12.56
